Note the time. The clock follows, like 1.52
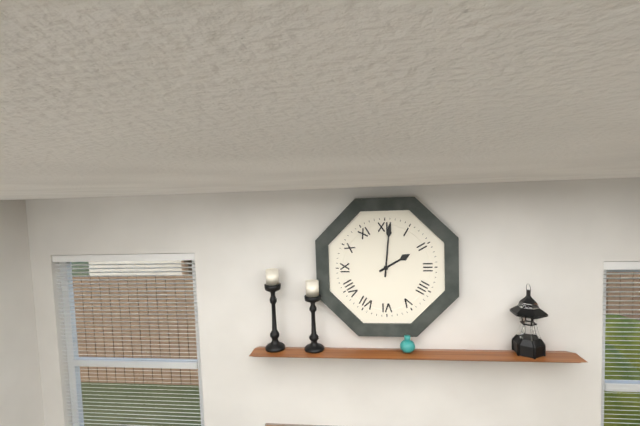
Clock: 2.01
